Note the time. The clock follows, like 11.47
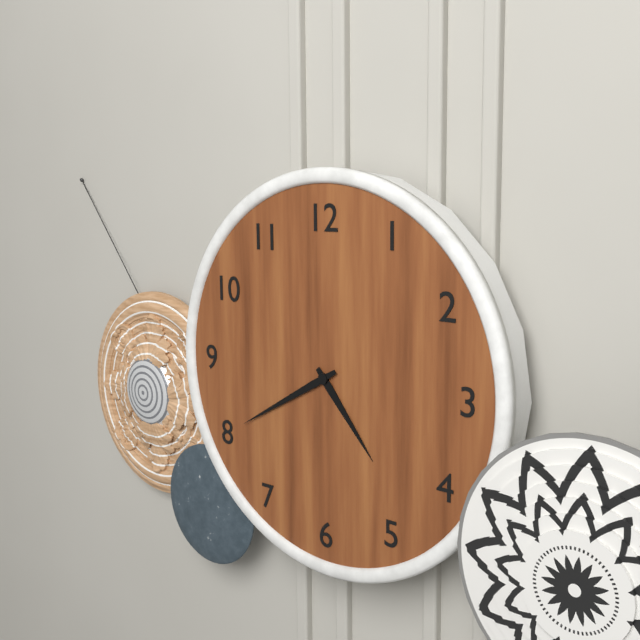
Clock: 4.40
